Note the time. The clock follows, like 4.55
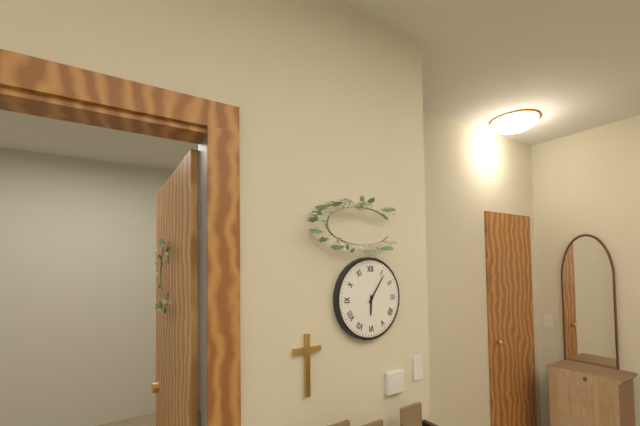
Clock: 6.06
